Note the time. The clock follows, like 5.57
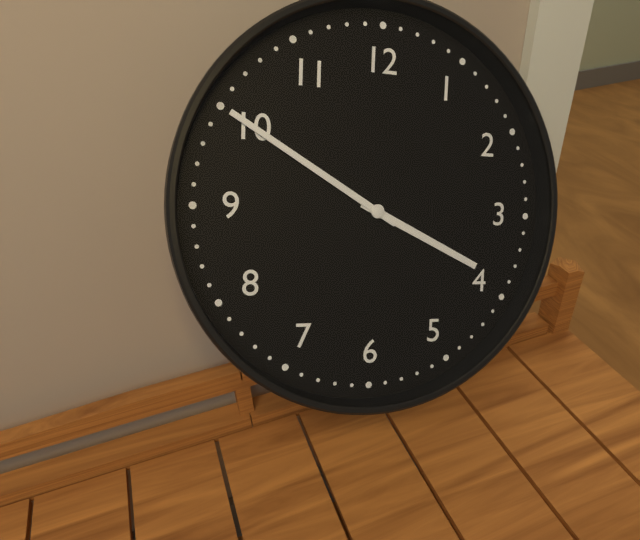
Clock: 3.50
